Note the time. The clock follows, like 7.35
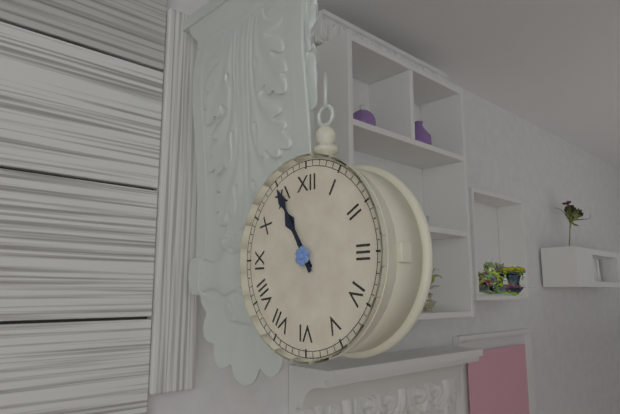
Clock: 10.55
